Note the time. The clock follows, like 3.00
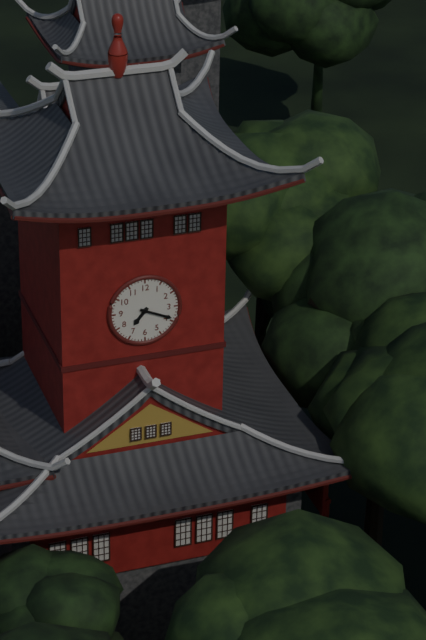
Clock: 7.19
